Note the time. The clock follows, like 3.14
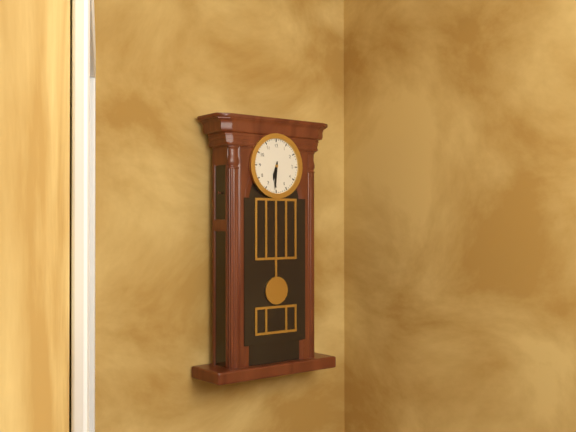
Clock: 6.31
